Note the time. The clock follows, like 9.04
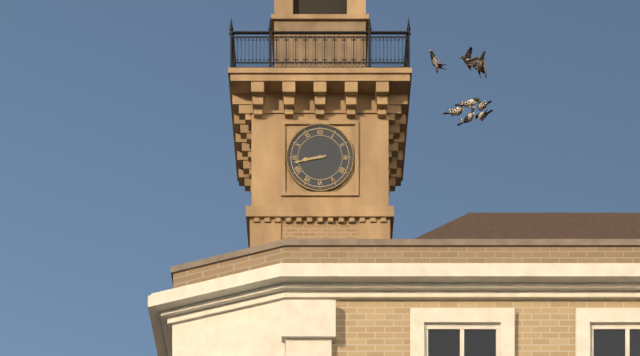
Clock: 8.43
